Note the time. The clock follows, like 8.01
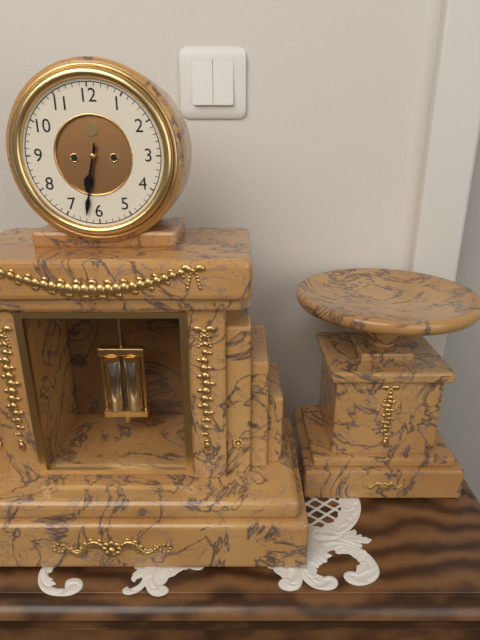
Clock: 6.32
